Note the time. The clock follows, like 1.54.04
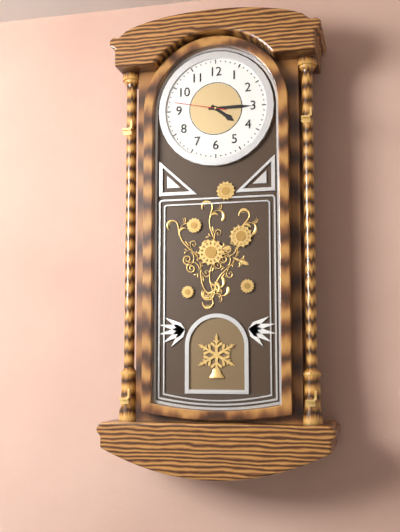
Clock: 4.15.47
